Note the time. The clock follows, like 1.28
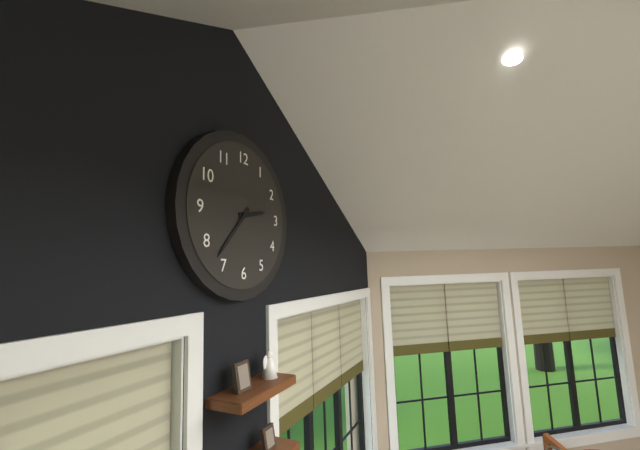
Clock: 2.37
